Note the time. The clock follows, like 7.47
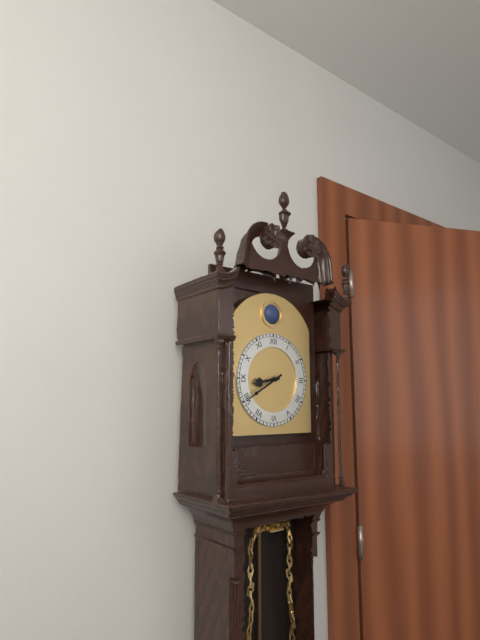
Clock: 8.40
